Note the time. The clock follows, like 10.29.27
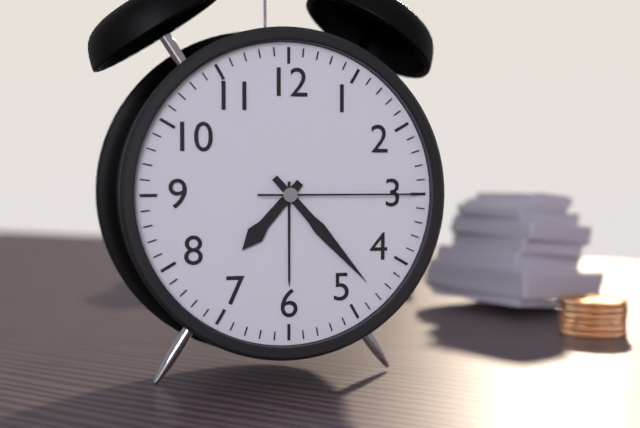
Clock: 7.23.15
